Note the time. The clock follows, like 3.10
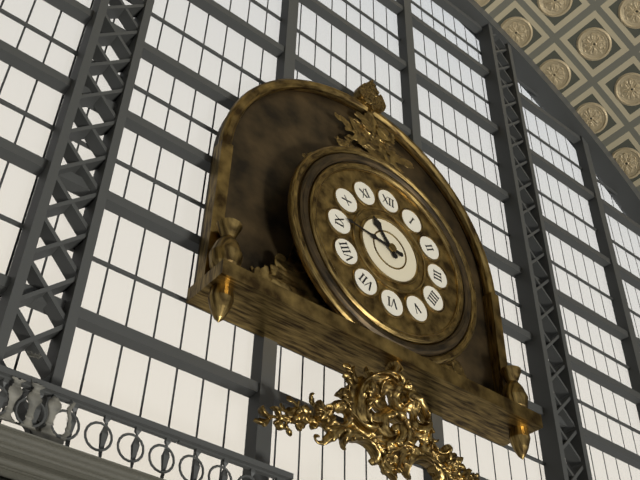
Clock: 10.46
